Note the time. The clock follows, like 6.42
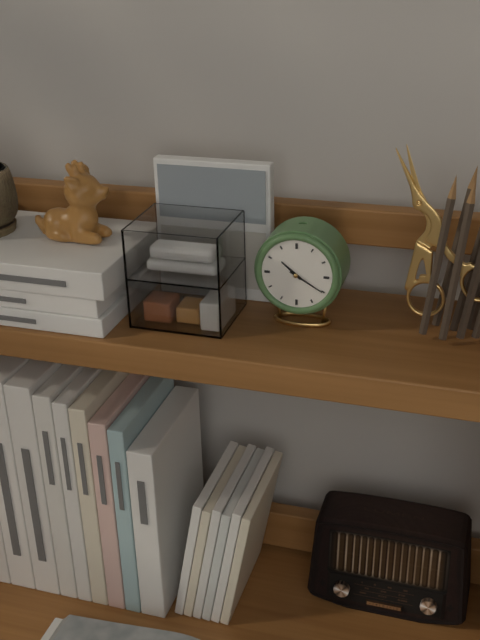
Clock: 10.20
